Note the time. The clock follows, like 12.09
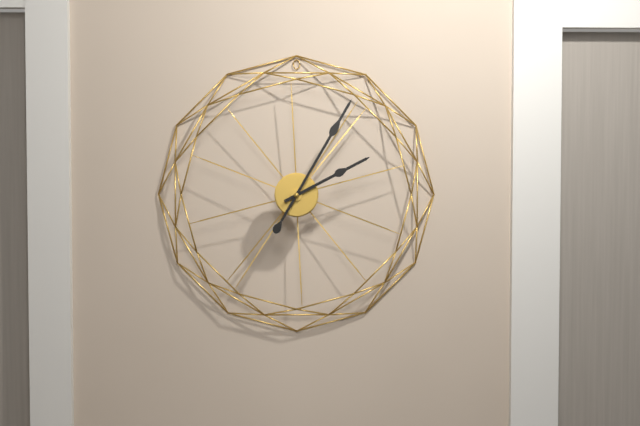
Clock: 2.05
